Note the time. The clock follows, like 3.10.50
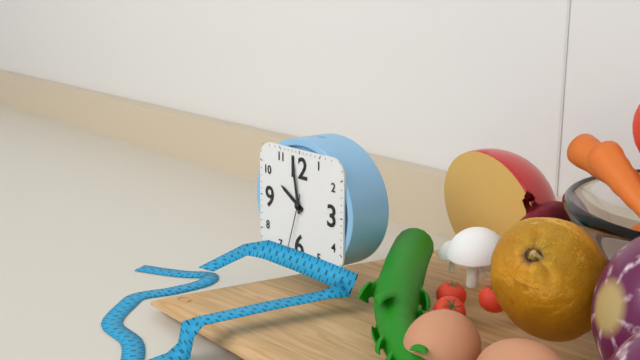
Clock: 9.58.33
